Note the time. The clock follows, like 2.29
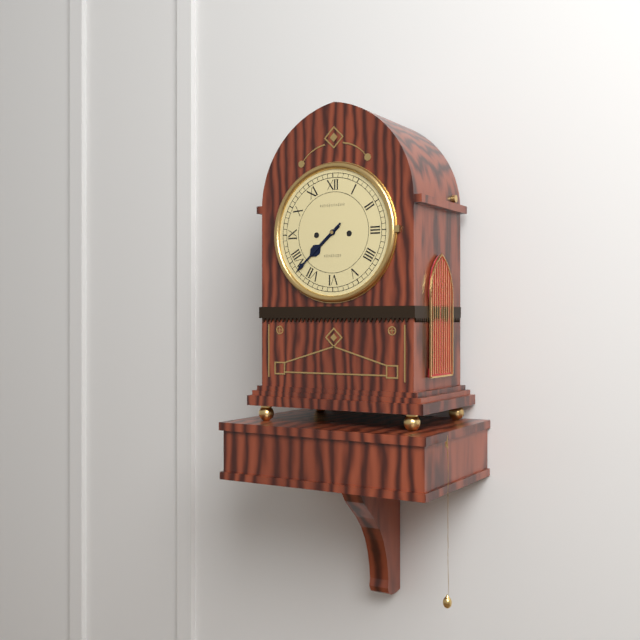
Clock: 7.38
